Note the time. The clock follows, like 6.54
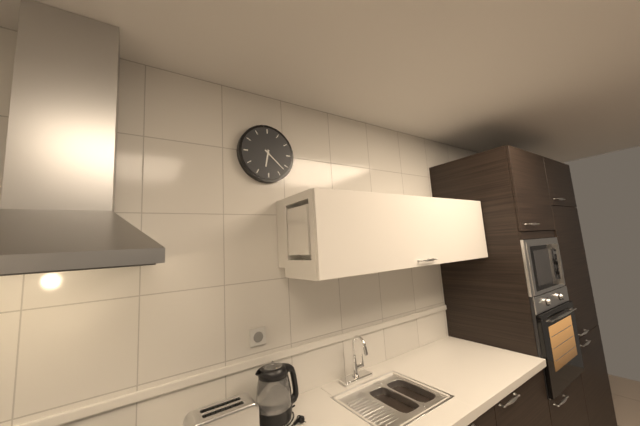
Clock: 6.22
